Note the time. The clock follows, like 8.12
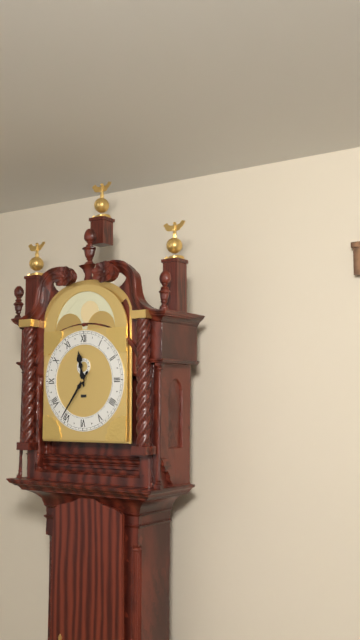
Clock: 11.36
